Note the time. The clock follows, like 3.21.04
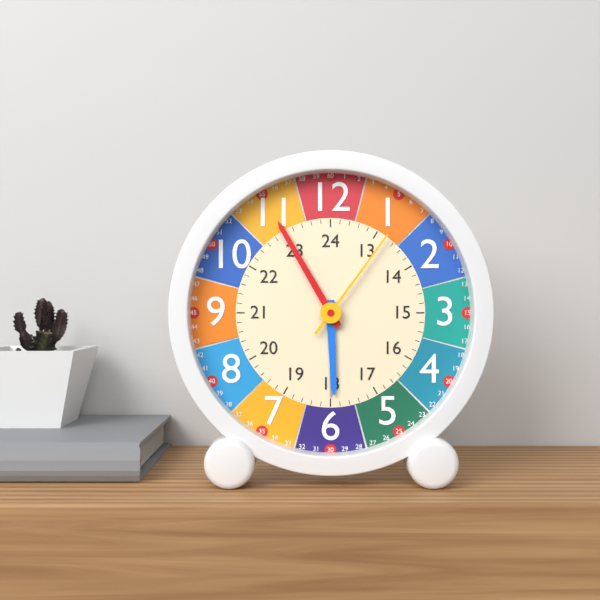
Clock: 5.55.06
